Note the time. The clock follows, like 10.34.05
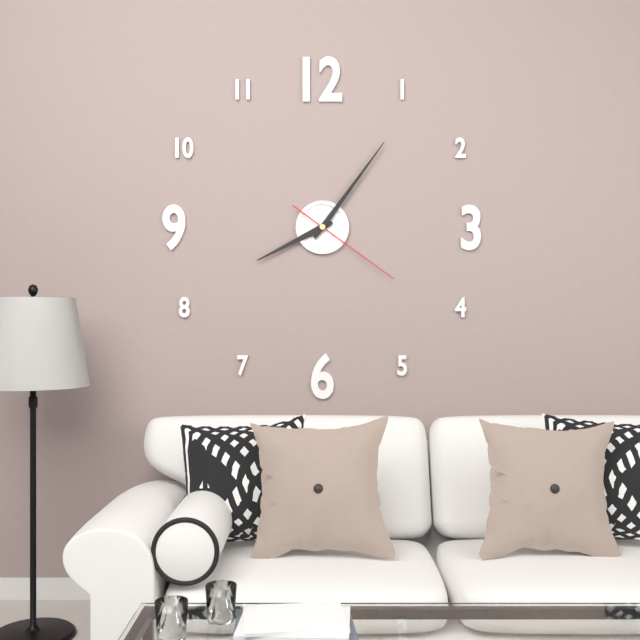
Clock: 8.06.21
